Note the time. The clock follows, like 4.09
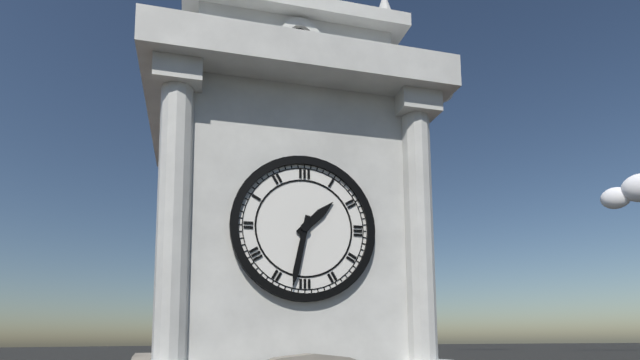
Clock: 1.32
